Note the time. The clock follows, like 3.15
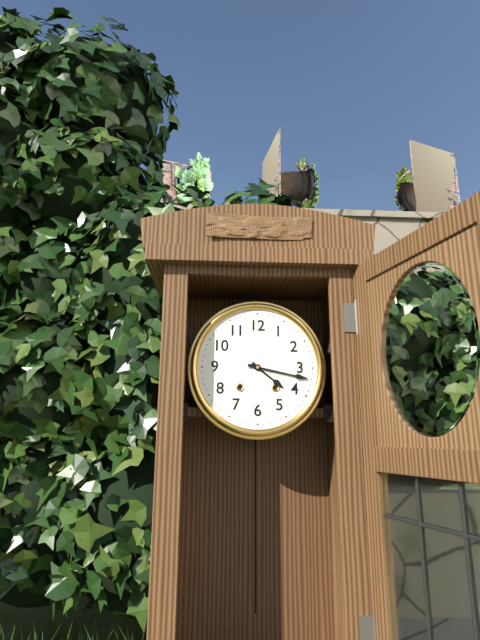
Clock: 4.17
